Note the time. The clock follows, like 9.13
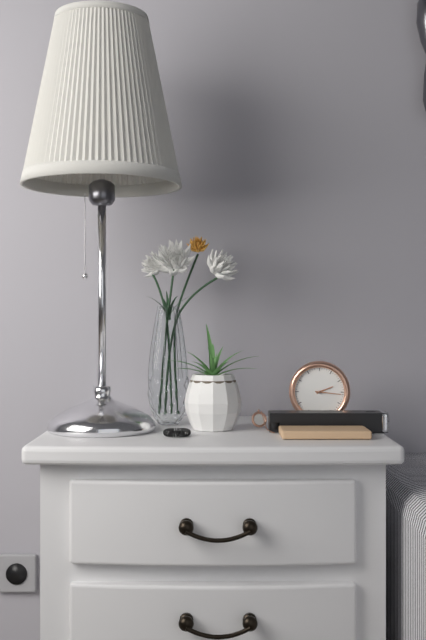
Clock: 2.16
